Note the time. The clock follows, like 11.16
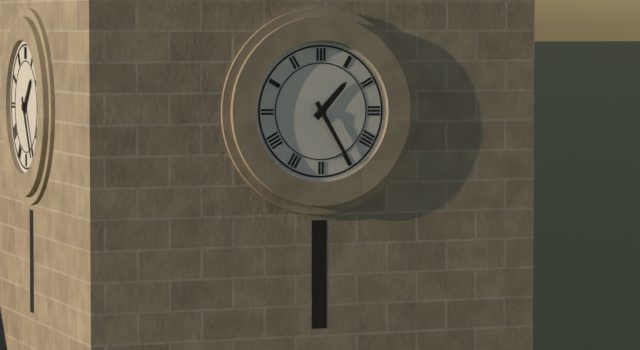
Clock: 1.25
